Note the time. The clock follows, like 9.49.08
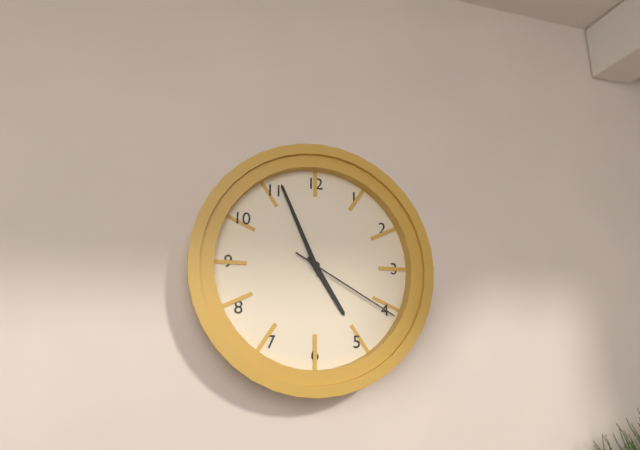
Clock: 4.56.20
